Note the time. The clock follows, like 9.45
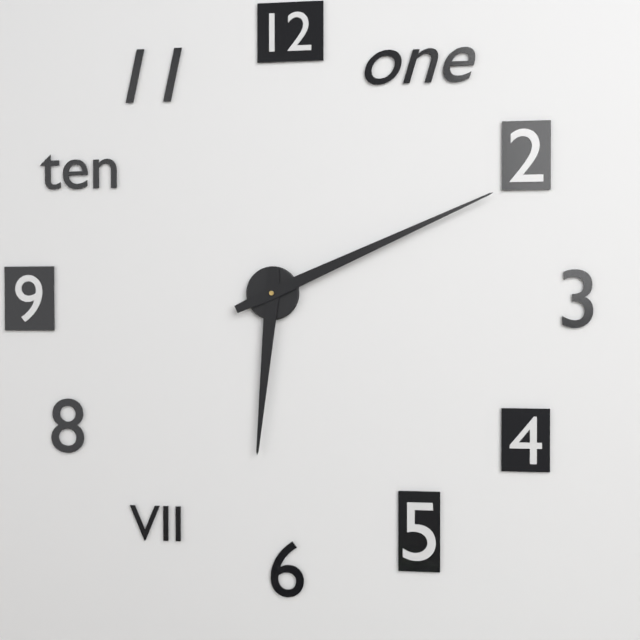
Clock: 6.11
